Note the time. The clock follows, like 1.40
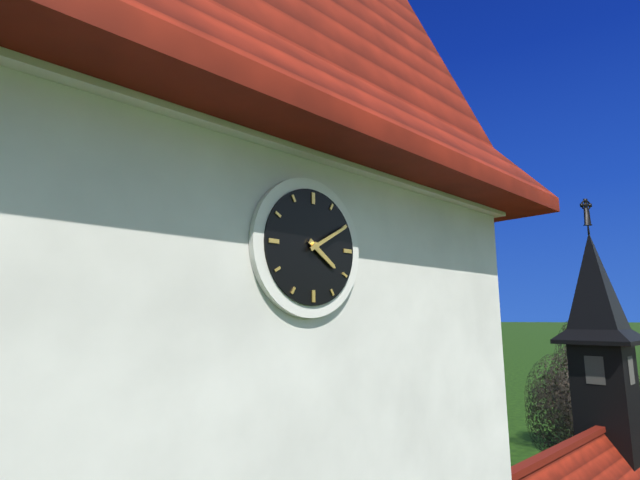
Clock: 4.10
